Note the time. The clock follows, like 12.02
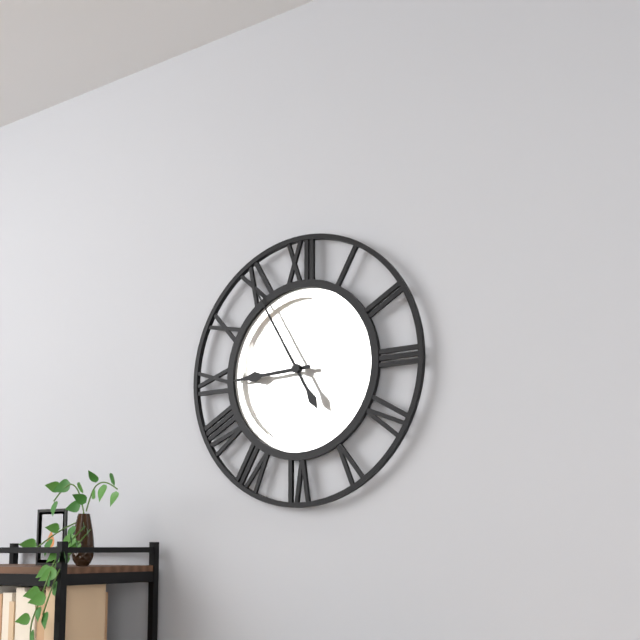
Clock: 8.55
